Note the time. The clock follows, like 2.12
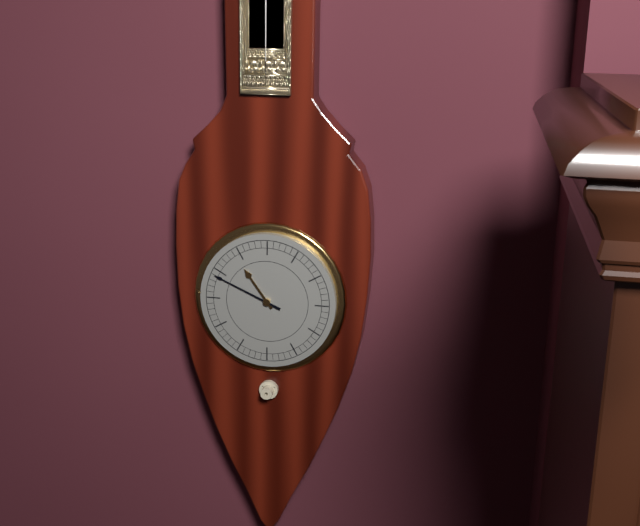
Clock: 10.49
